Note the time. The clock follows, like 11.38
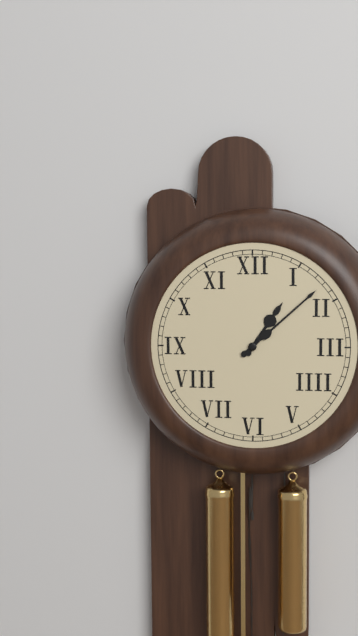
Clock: 1.08
